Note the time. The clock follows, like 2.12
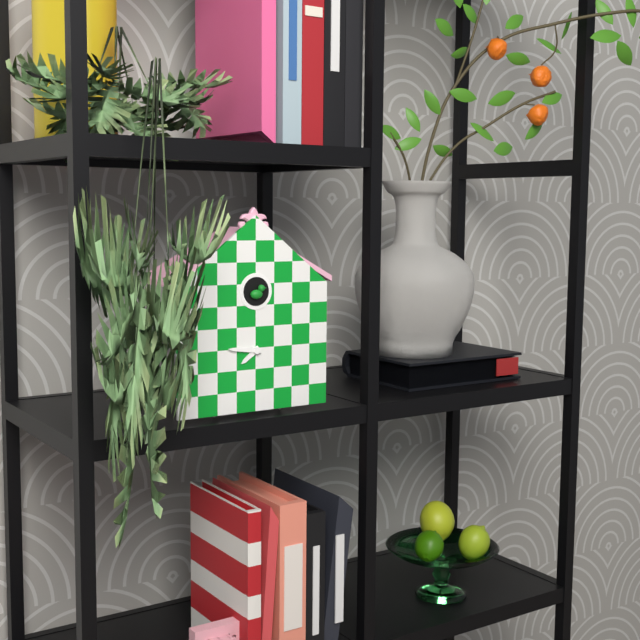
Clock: 7.46
